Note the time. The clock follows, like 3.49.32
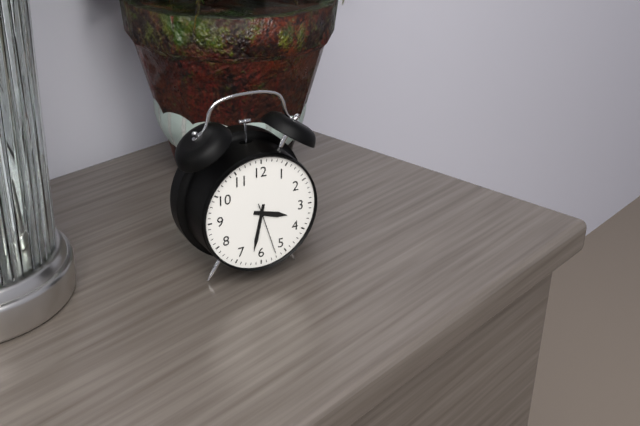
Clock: 3.32.27
